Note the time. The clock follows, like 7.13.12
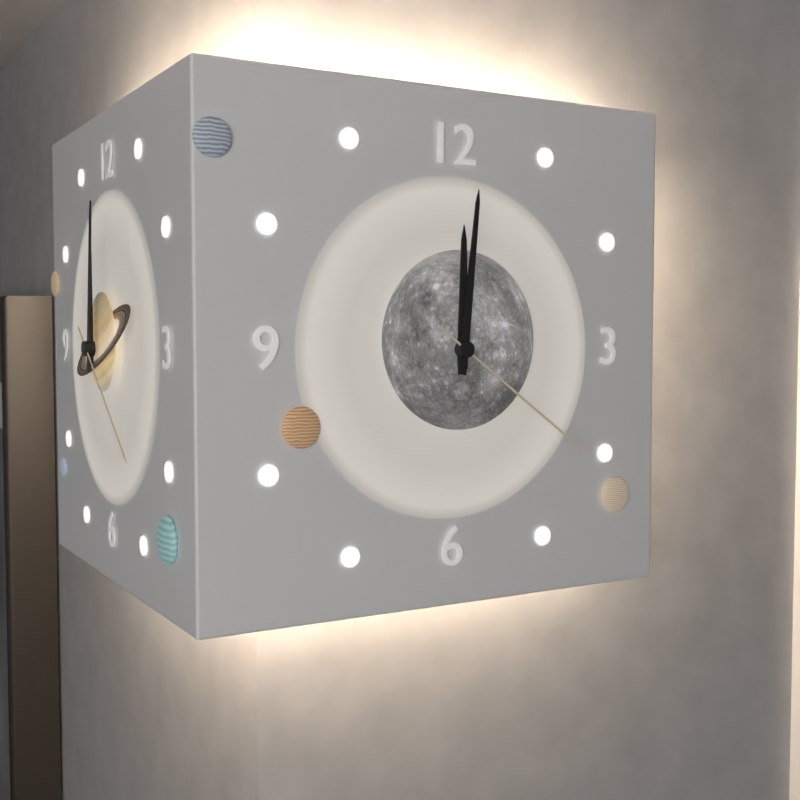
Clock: 12.01.21
